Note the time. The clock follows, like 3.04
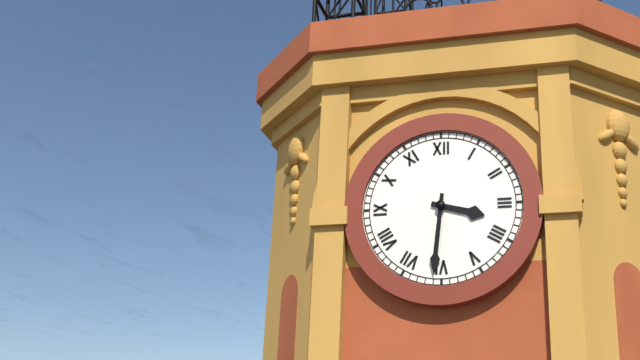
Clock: 3.31
